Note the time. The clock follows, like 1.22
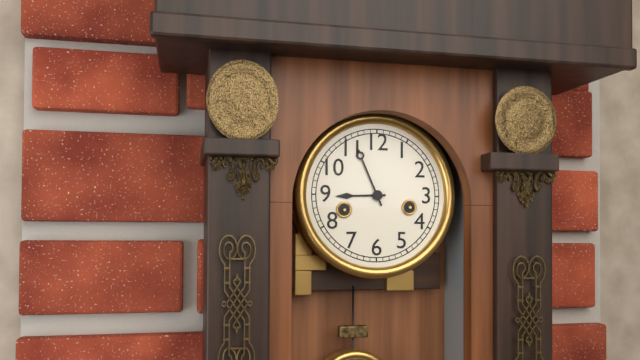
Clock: 8.56
